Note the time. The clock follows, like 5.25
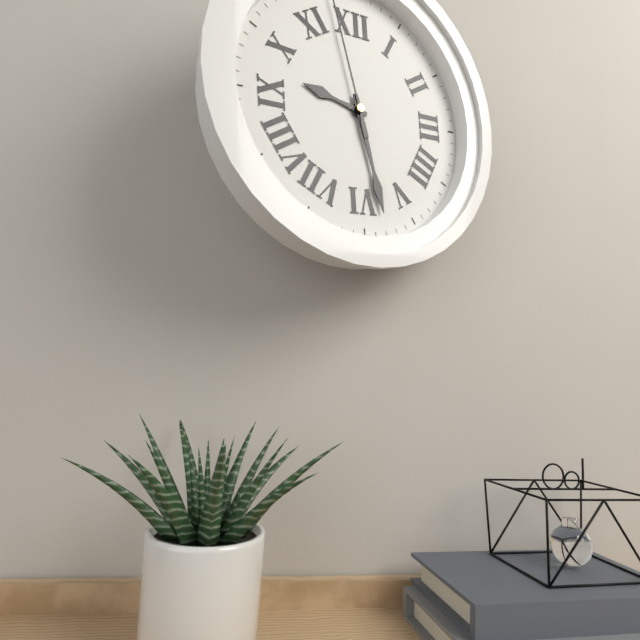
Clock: 9.28
